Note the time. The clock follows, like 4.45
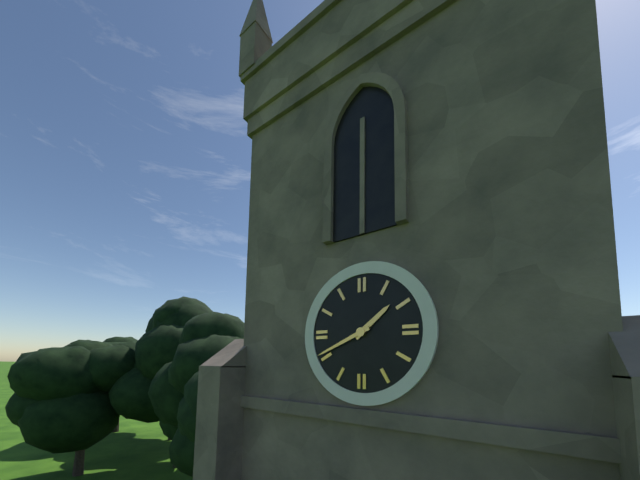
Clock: 1.41
